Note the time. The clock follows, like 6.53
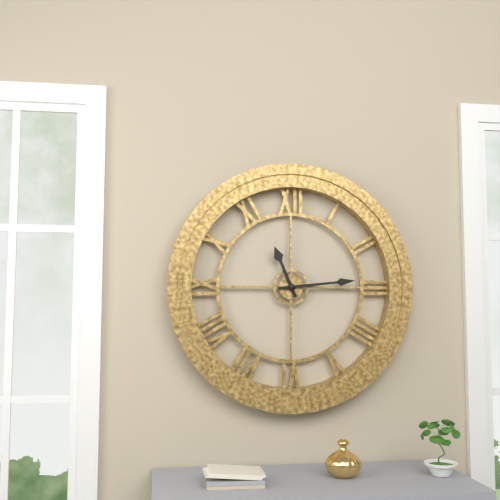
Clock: 11.14
